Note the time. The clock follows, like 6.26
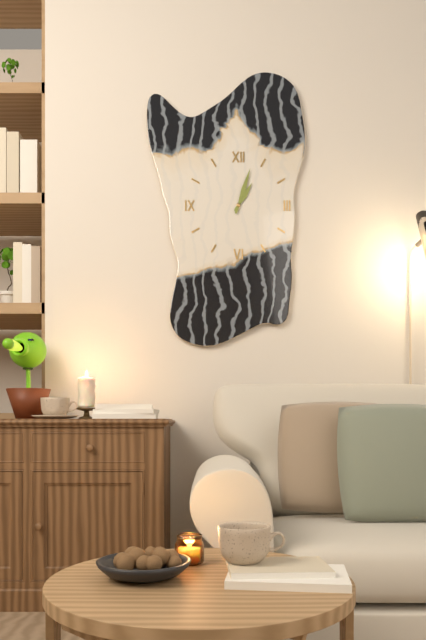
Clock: 1.03
